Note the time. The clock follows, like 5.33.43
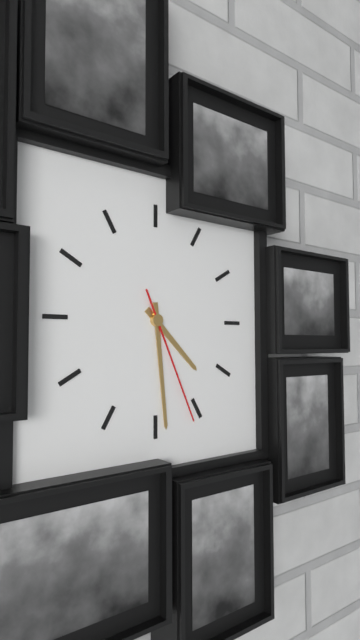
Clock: 4.29.26
